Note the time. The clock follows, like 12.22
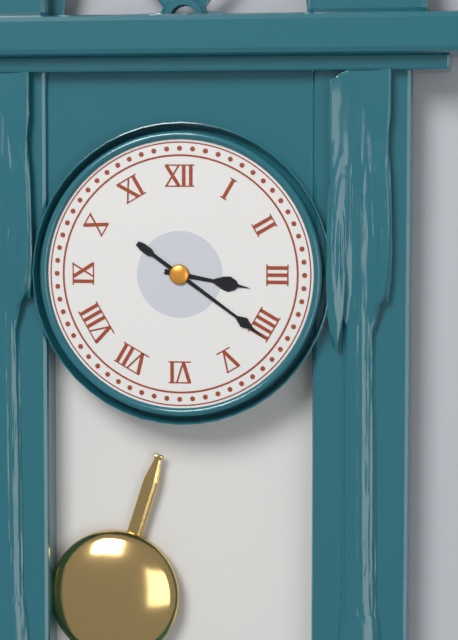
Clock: 3.21
